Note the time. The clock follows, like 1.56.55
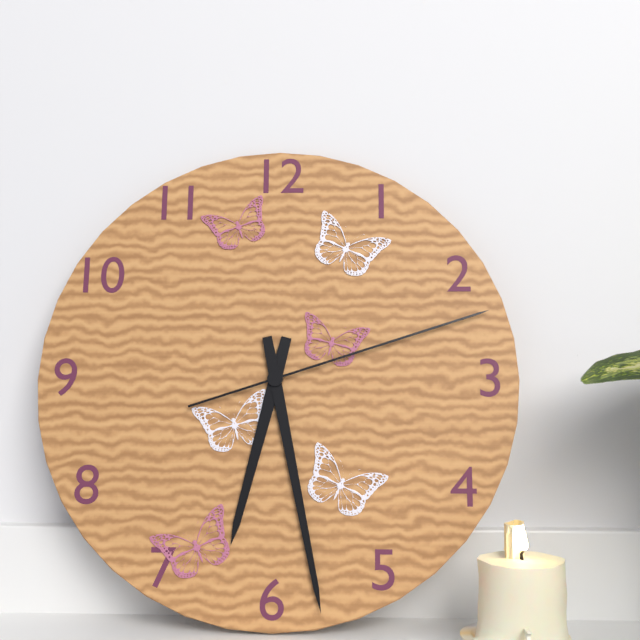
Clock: 6.28.12
